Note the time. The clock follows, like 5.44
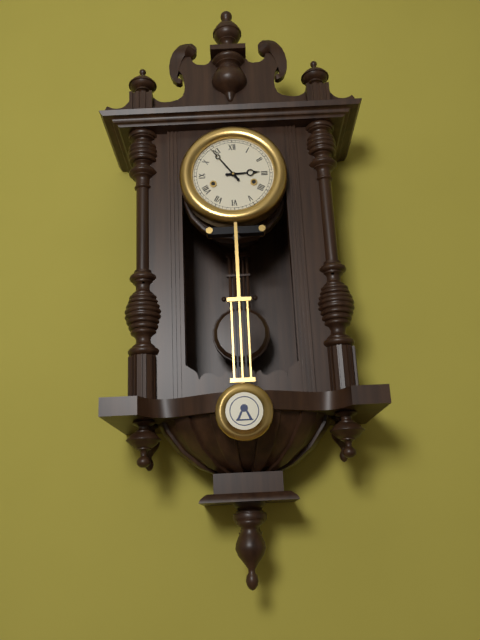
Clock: 2.54
